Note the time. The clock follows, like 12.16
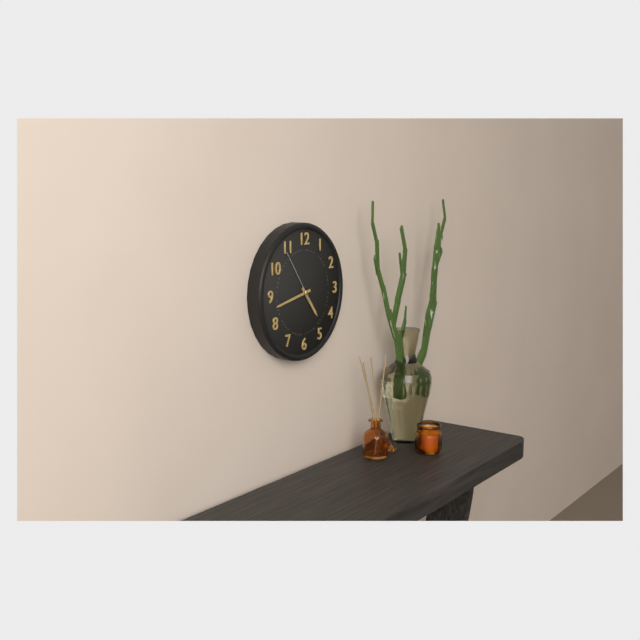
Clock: 4.43
